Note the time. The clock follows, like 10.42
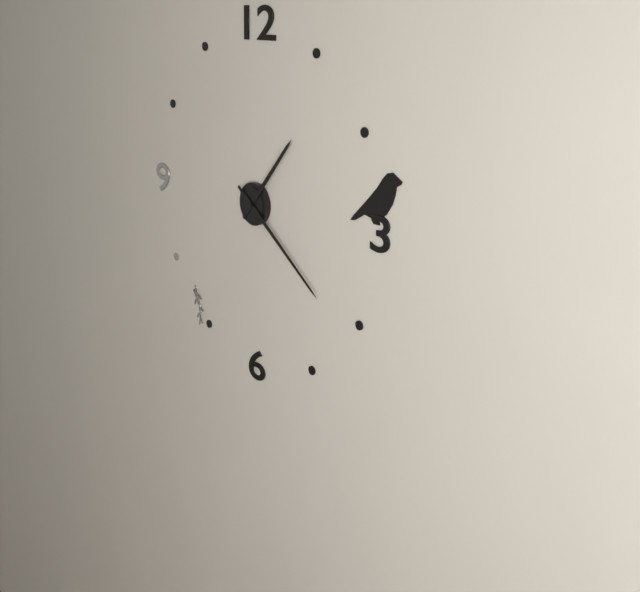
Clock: 1.21
